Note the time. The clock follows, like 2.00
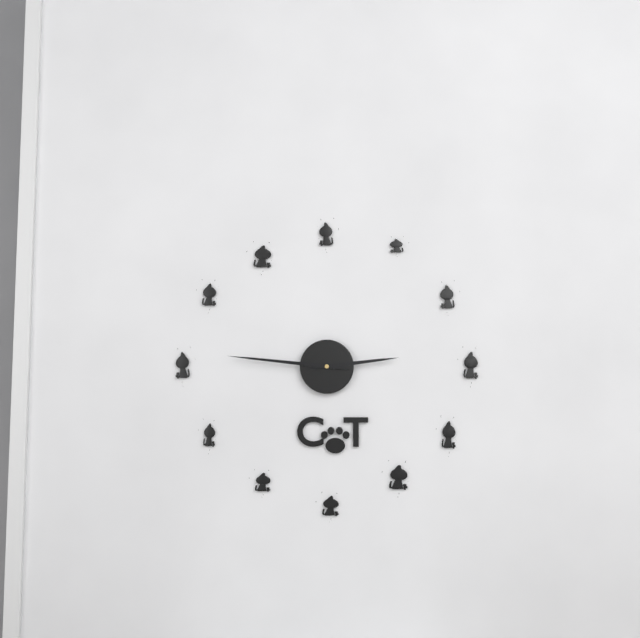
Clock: 2.46
